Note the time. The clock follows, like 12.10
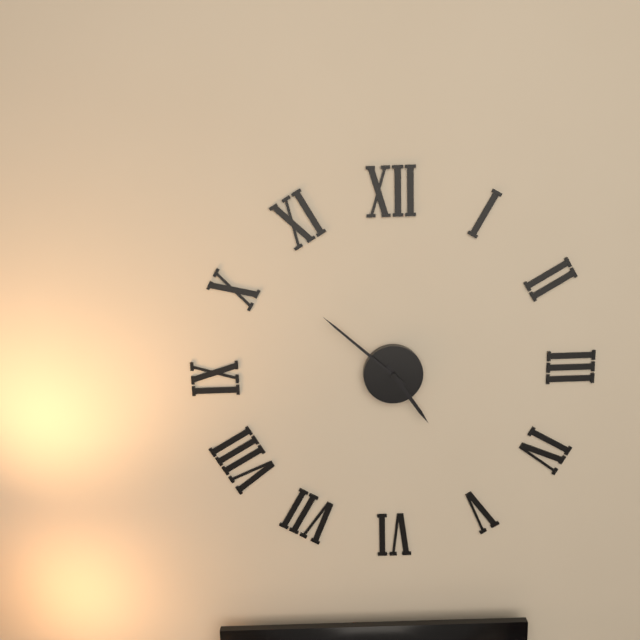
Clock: 4.52
